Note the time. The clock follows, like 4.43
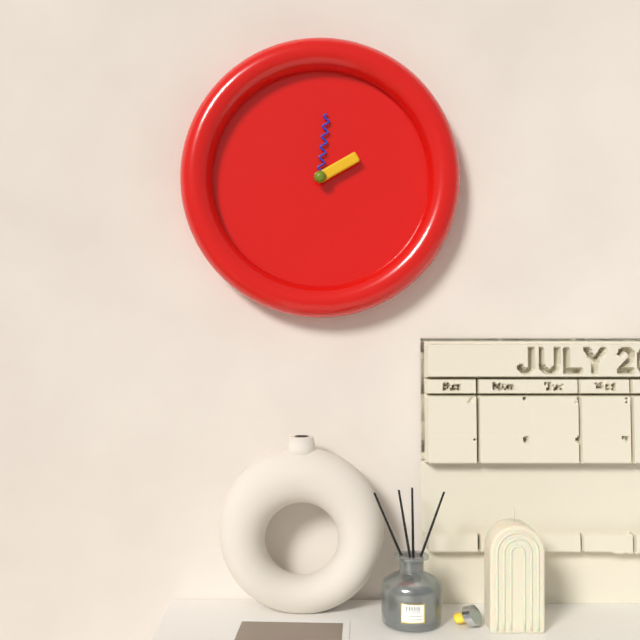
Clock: 2.01
